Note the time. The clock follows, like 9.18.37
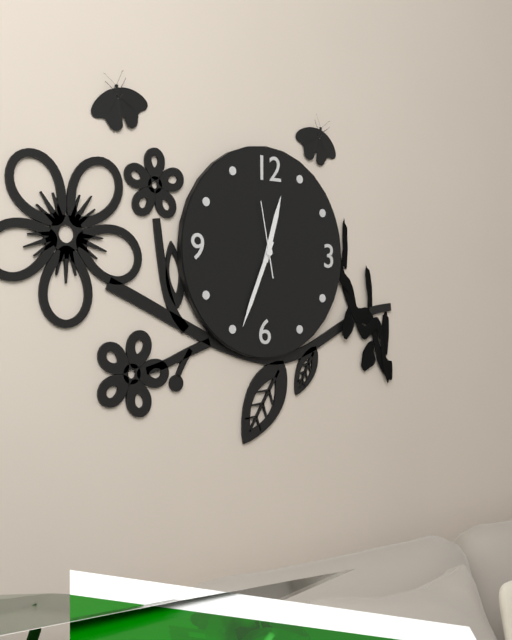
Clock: 12.34.58
